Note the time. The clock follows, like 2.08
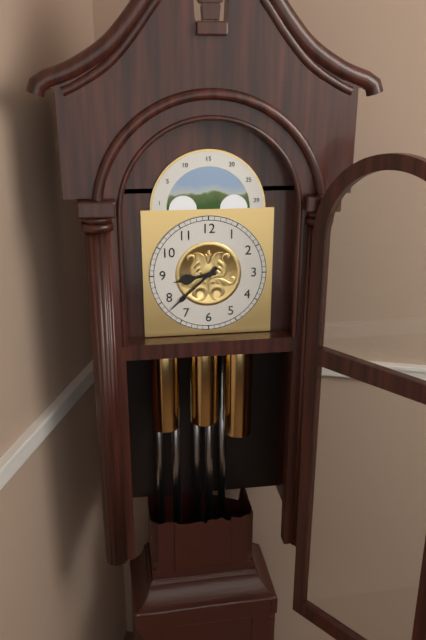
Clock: 8.38
